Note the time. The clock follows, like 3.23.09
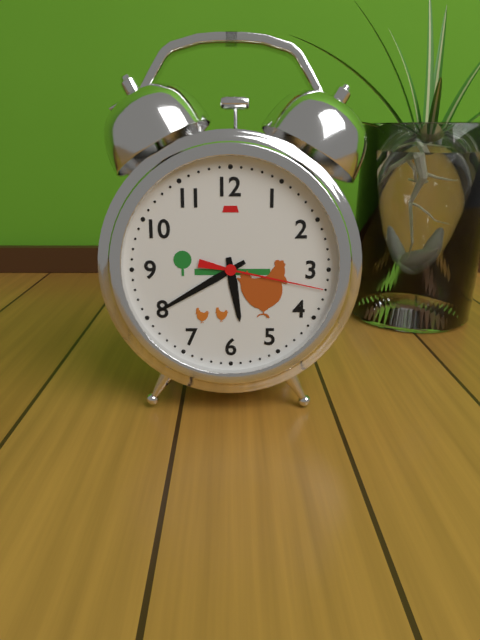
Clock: 5.40.17
